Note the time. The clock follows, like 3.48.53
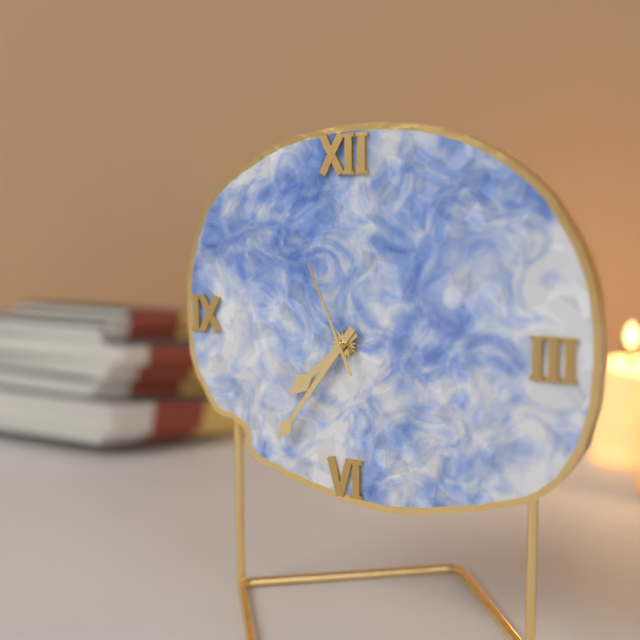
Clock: 7.36.56
